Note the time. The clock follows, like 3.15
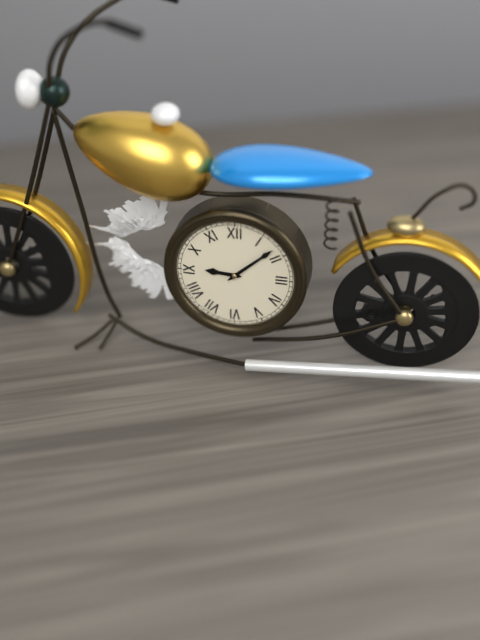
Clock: 9.08
